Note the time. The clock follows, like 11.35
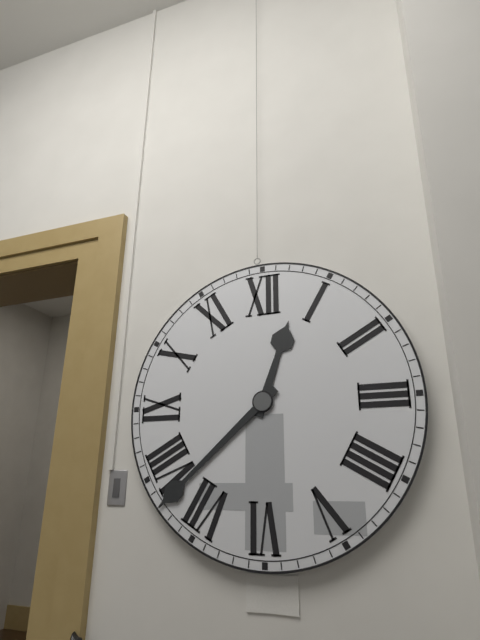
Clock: 12.38
